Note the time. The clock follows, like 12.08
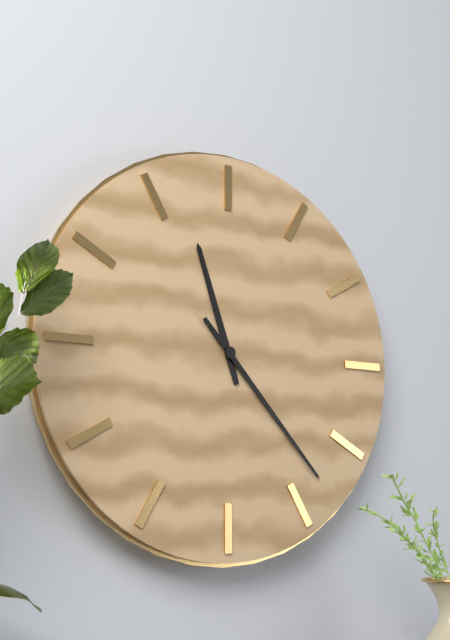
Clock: 11.23
